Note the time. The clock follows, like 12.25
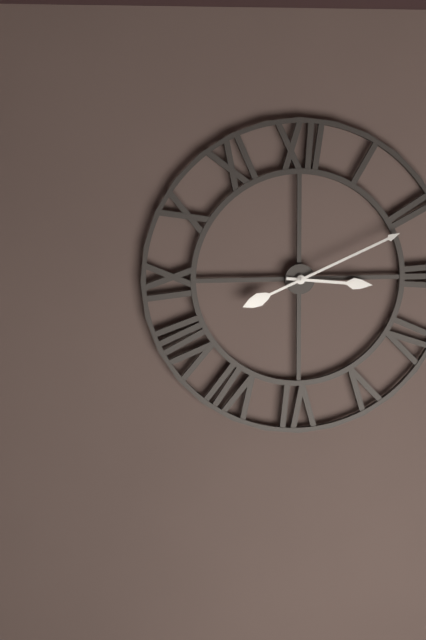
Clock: 3.11
